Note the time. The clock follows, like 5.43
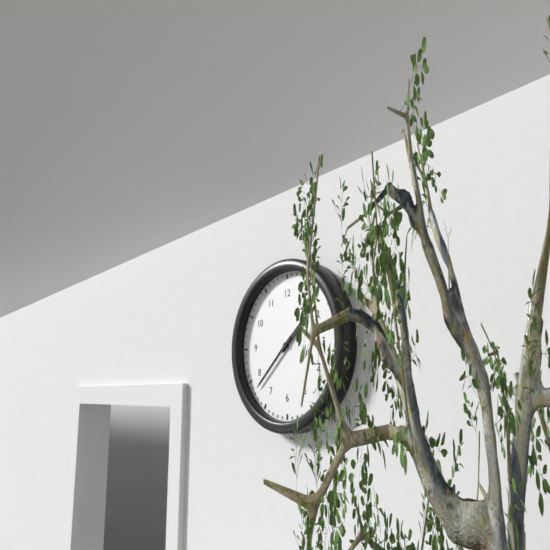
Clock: 1.38
